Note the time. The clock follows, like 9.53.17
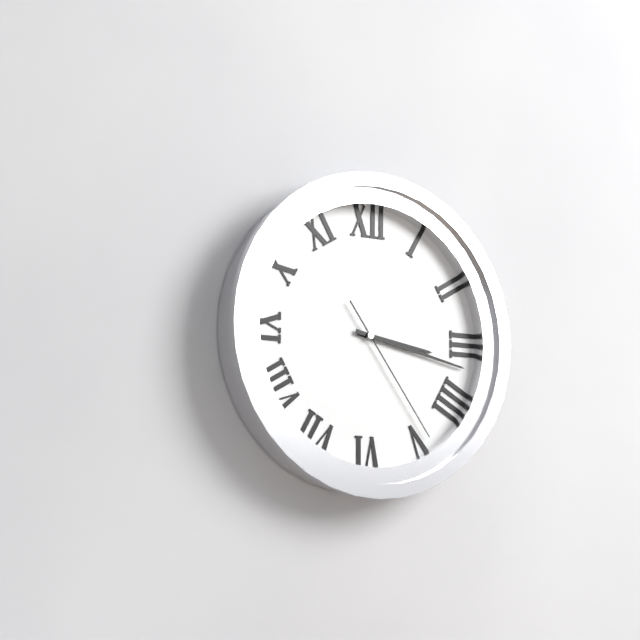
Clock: 3.17.24
